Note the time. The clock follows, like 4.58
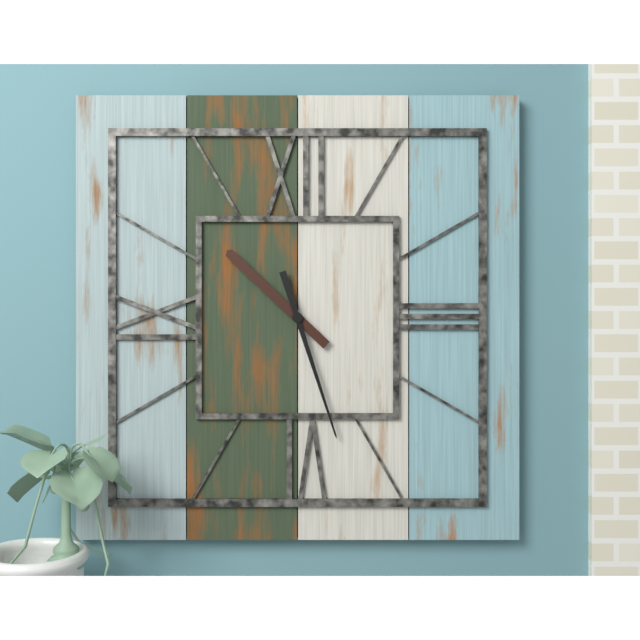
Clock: 10.27
